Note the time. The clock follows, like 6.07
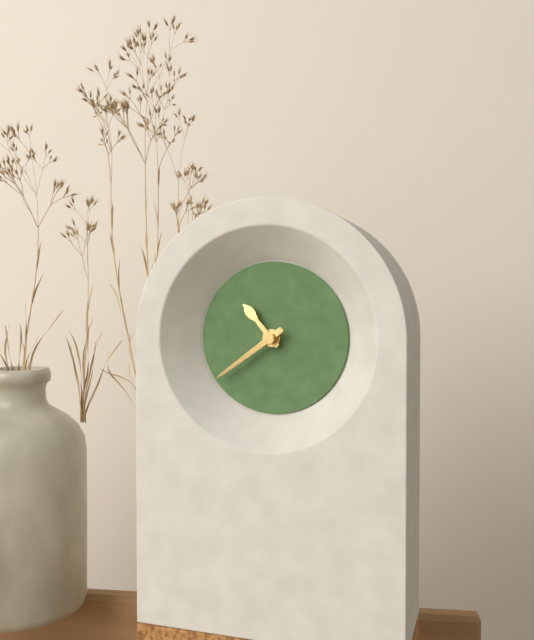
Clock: 10.39
